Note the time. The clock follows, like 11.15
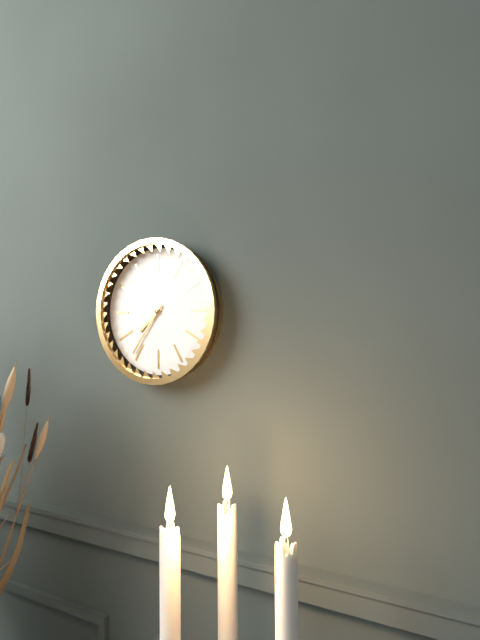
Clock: 7.36
